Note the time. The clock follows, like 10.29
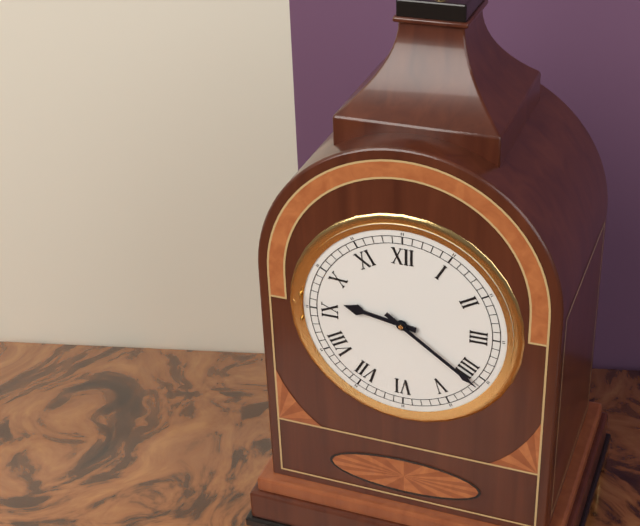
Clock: 9.21
